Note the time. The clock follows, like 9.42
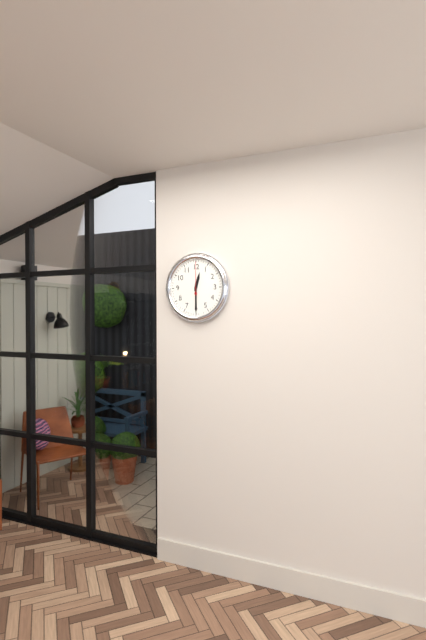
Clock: 12.30
